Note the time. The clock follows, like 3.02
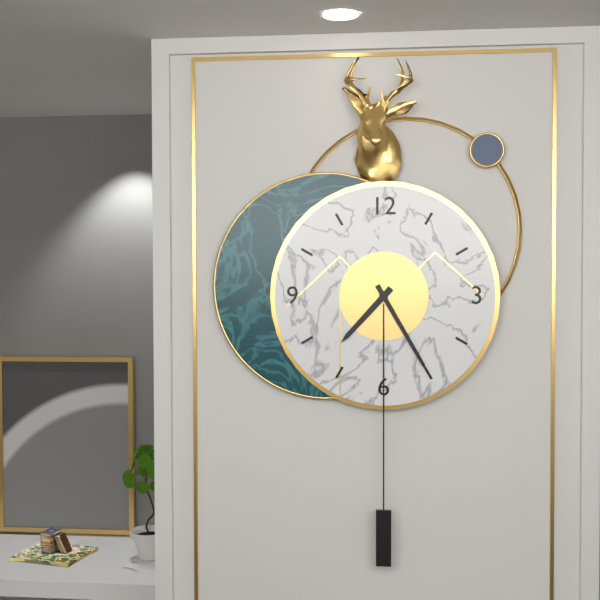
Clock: 7.25
